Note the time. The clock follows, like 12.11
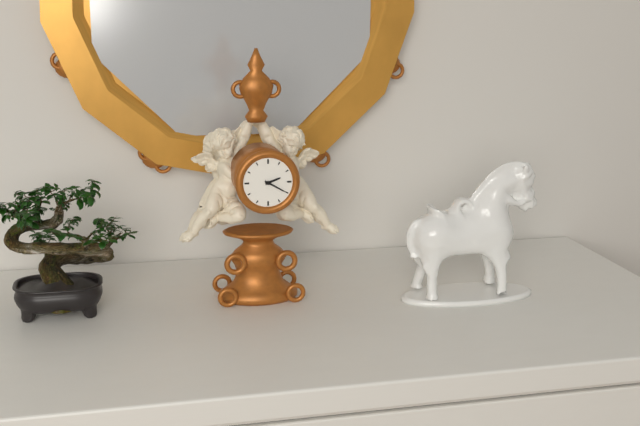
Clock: 2.20
